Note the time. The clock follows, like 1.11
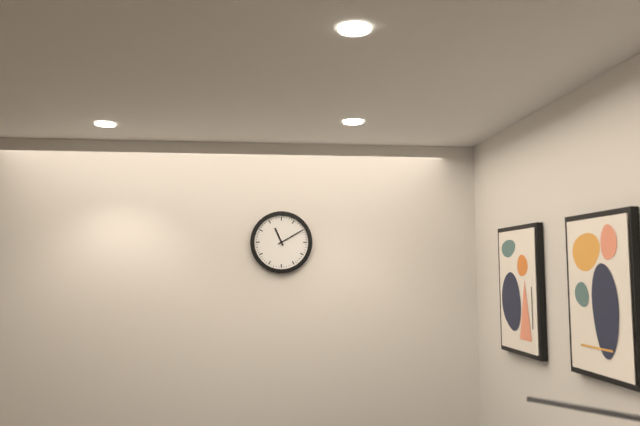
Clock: 11.10
